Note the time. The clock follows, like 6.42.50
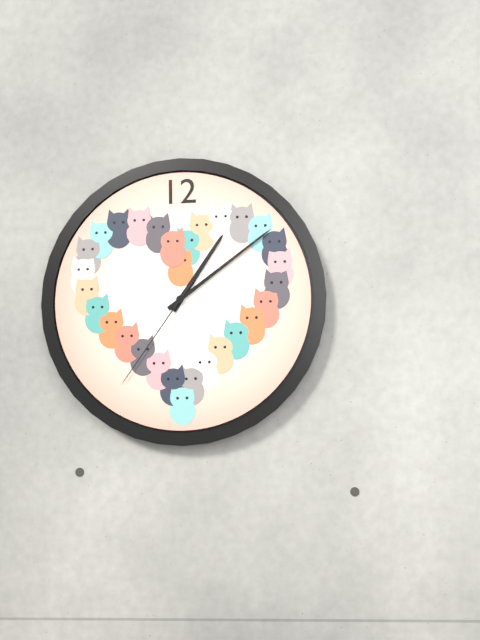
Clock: 1.09.36
